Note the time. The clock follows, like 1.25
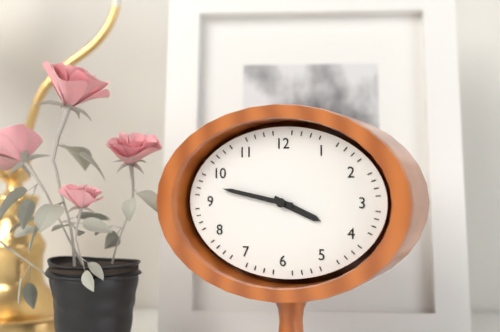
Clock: 3.47
